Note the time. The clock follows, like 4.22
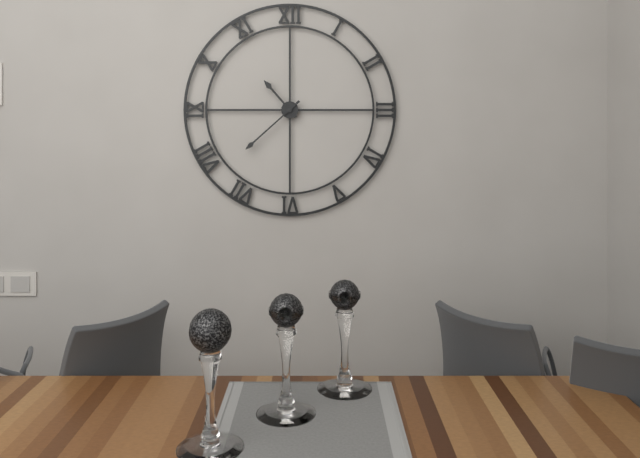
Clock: 10.38
